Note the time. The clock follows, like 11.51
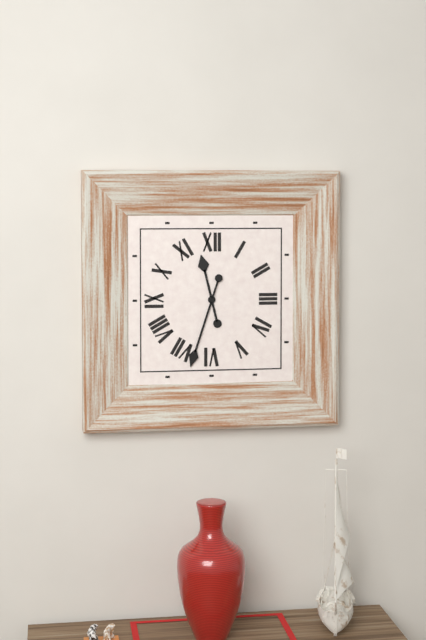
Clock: 11.33
